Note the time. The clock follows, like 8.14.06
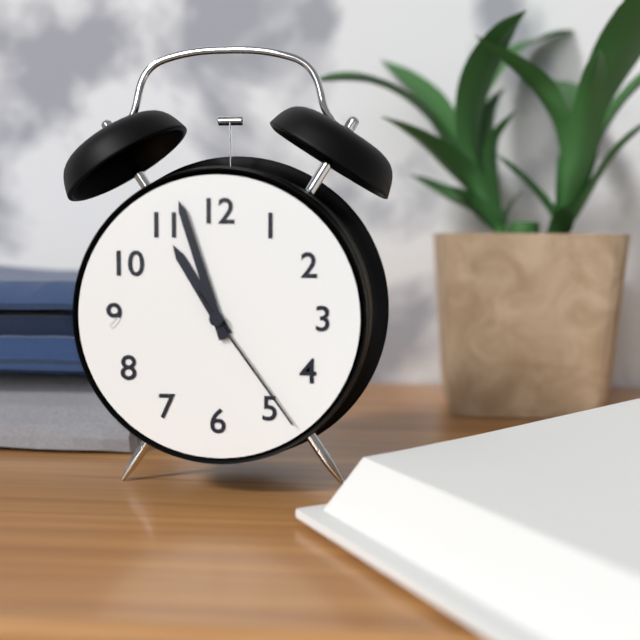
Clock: 10.57.24
